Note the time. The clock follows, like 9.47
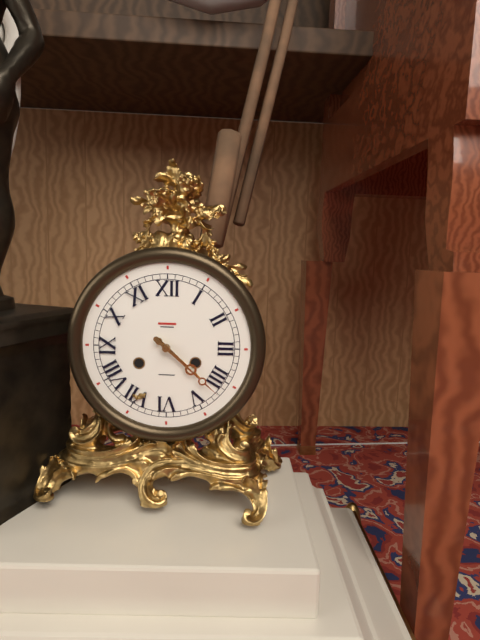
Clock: 4.22
